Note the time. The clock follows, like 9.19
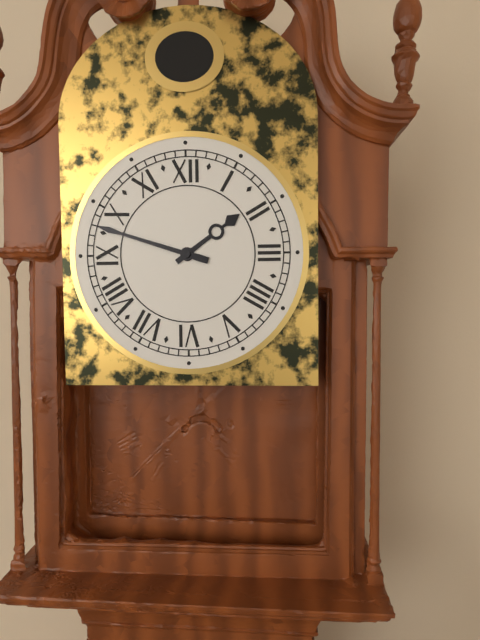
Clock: 1.48
